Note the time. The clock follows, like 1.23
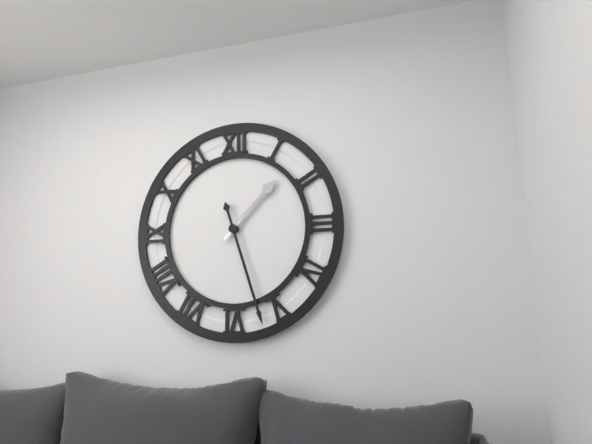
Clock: 1.27
